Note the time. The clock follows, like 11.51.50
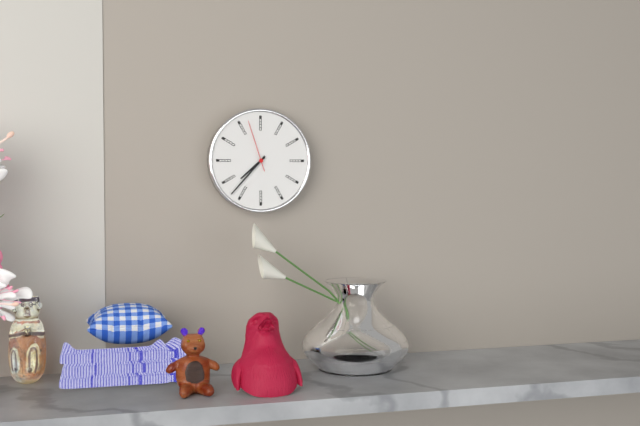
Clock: 7.37.57
